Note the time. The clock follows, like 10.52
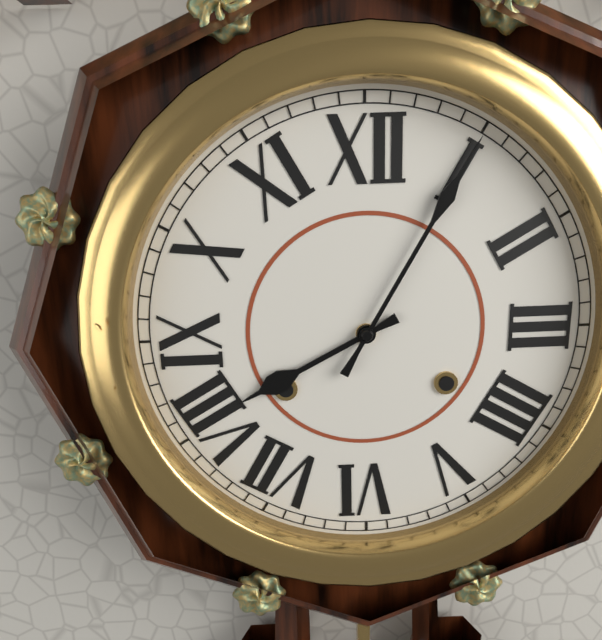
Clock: 8.05
